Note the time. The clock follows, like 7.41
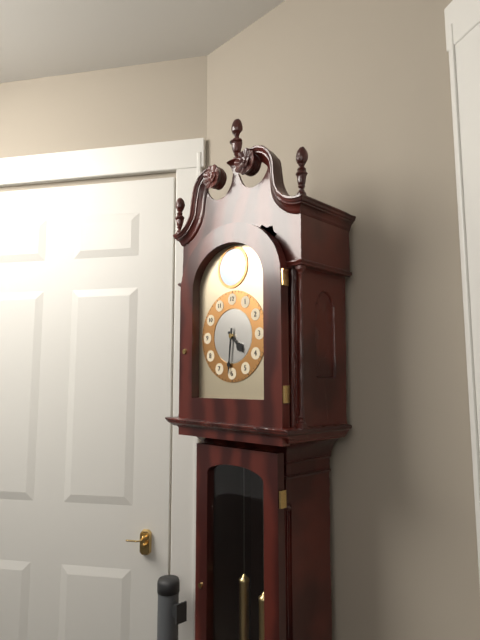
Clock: 4.31
